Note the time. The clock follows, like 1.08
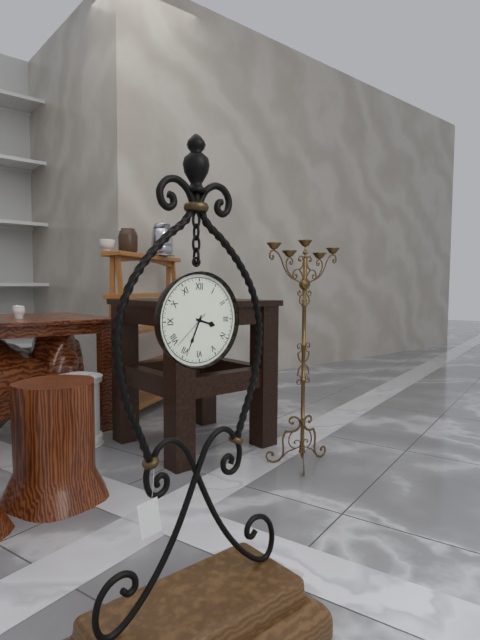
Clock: 3.34
